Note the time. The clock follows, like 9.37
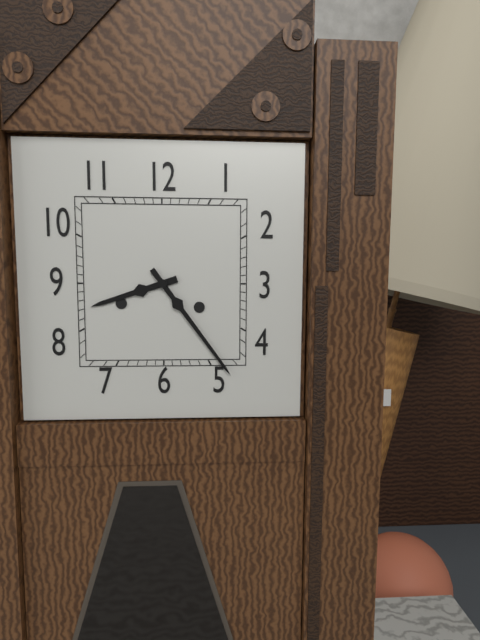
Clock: 8.24
